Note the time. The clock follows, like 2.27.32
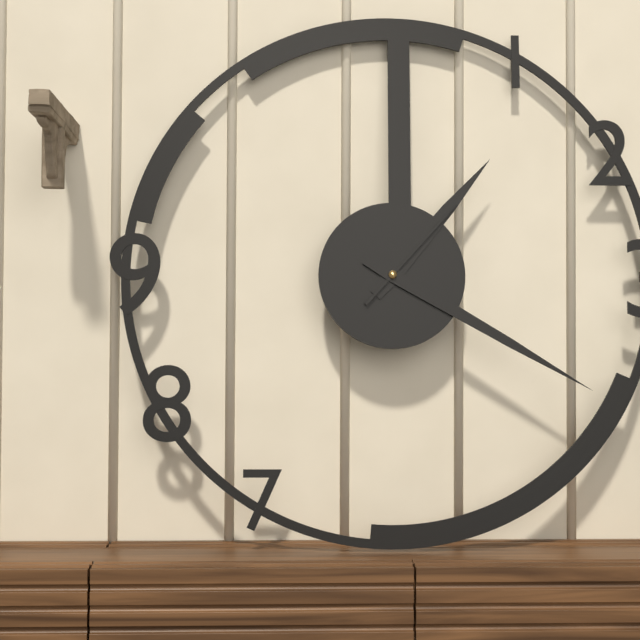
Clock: 1.20.07
